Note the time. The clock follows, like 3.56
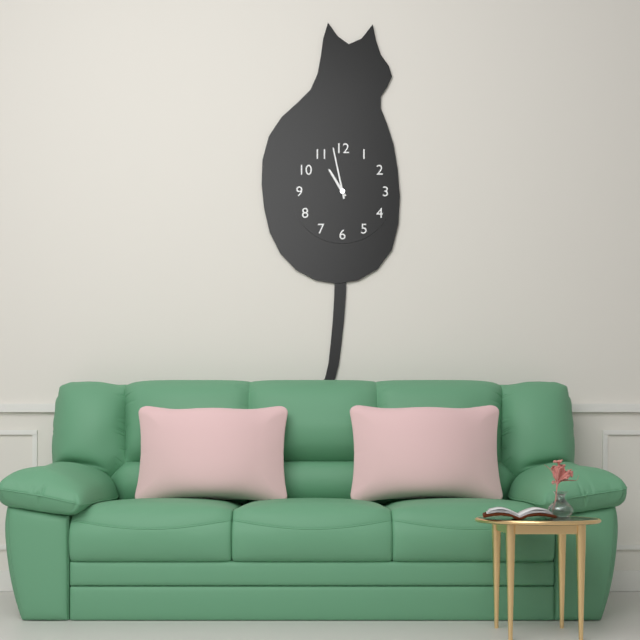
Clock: 10.58
